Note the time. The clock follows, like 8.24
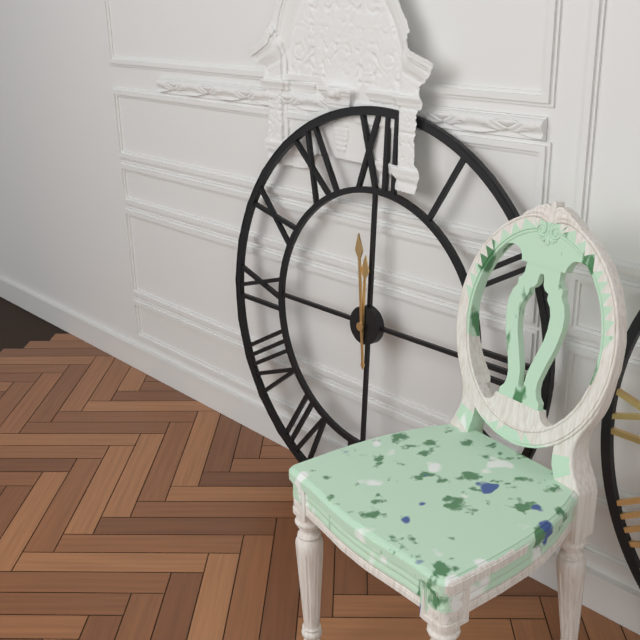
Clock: 11.59
